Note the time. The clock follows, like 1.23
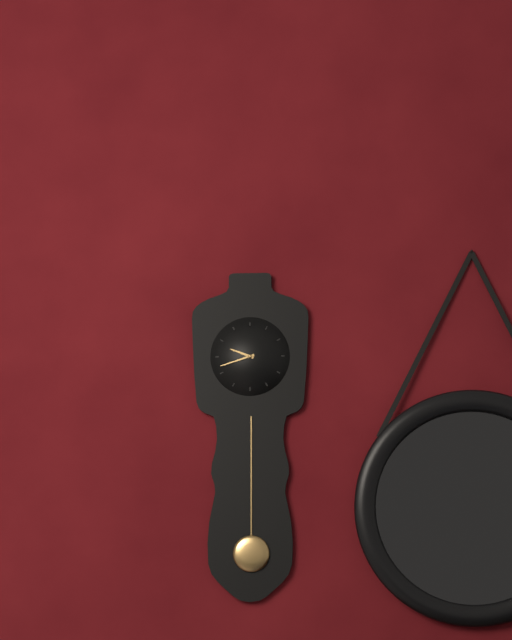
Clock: 9.42
